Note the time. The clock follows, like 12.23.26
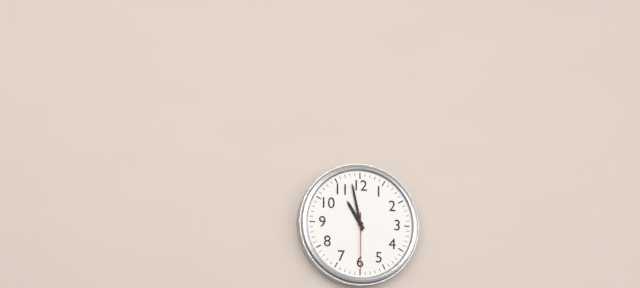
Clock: 10.58.30
